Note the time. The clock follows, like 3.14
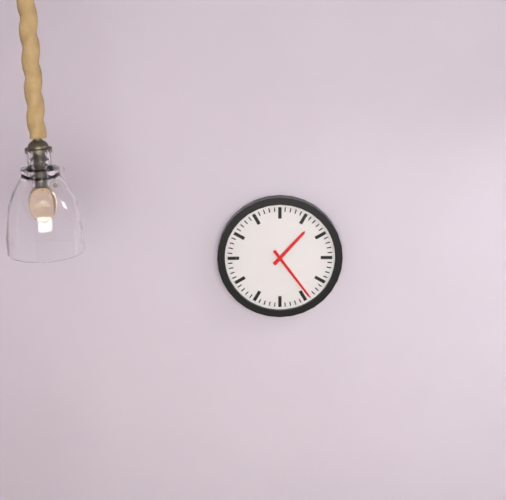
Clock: 1.24
